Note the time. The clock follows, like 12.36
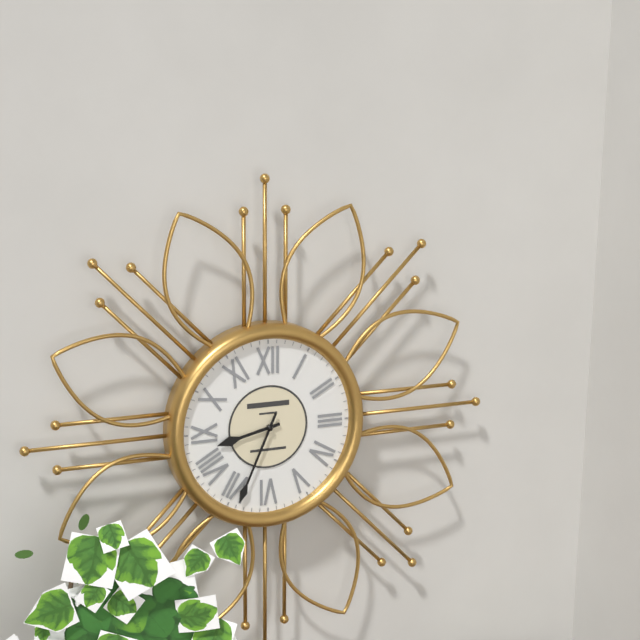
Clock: 8.34
